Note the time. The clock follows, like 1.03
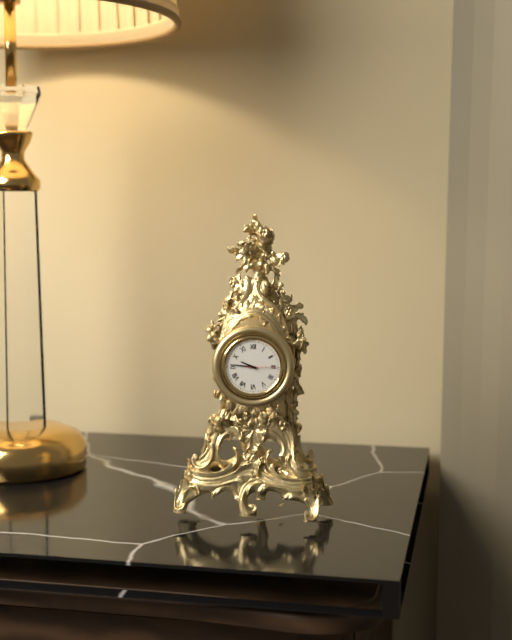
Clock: 9.46
